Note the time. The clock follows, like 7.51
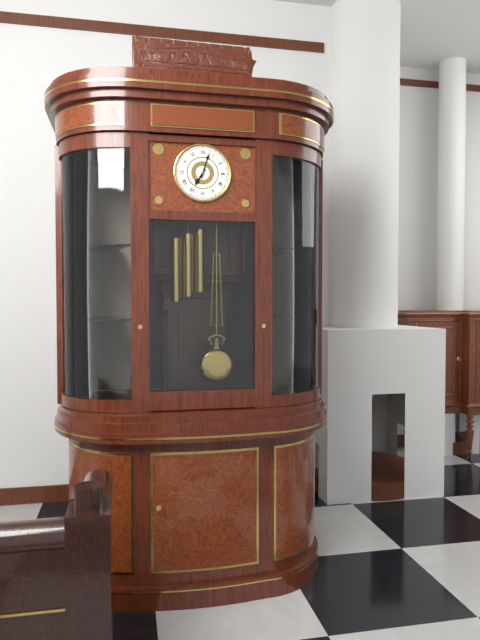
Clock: 7.03
